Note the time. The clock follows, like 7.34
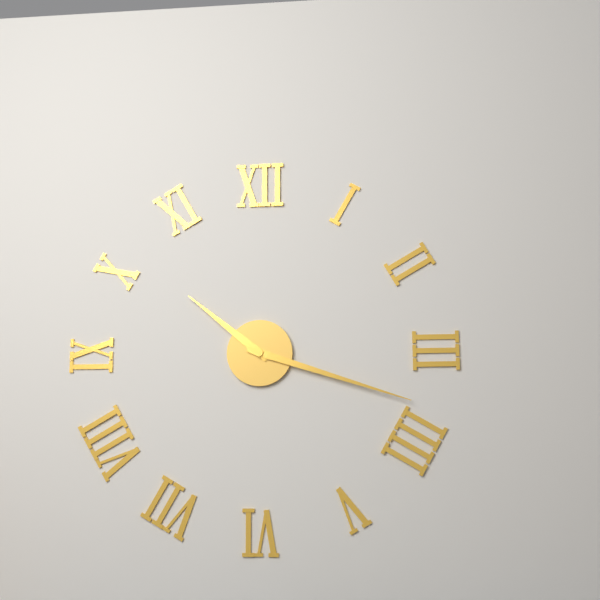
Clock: 10.18
